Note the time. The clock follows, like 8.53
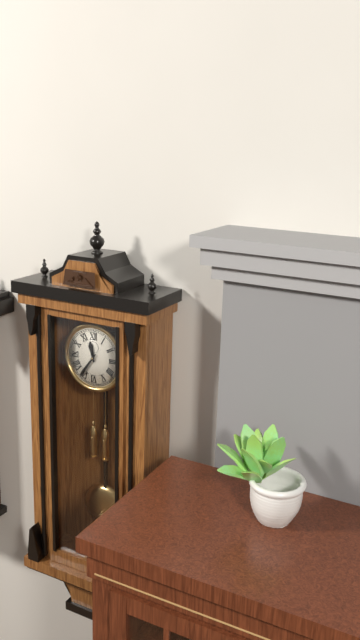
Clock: 11.36
